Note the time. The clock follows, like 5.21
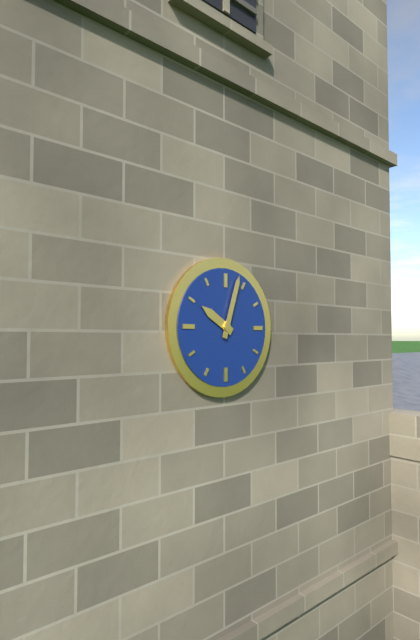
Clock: 10.03
